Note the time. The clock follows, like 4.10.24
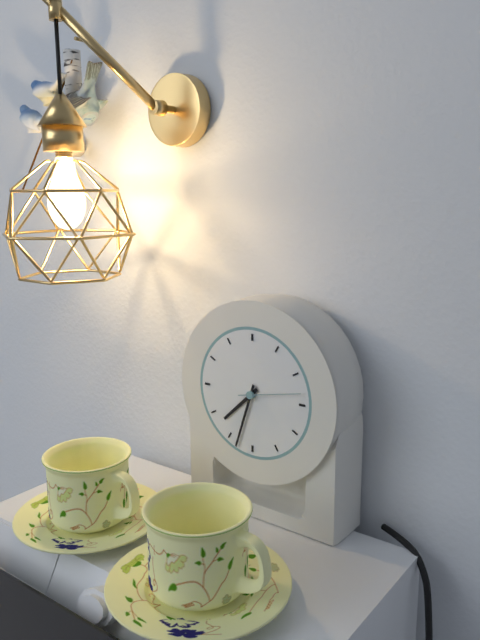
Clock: 7.33.13
